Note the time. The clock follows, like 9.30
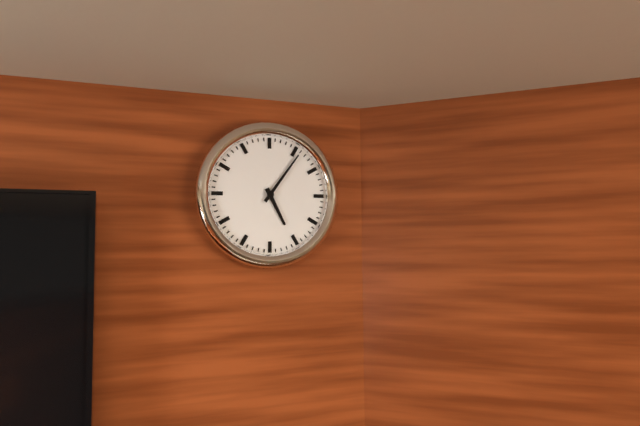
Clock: 5.06
